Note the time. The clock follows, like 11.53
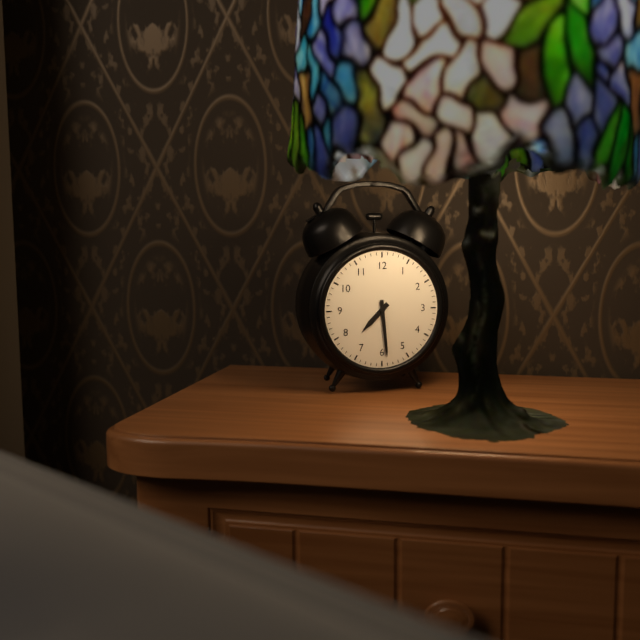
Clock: 7.29
